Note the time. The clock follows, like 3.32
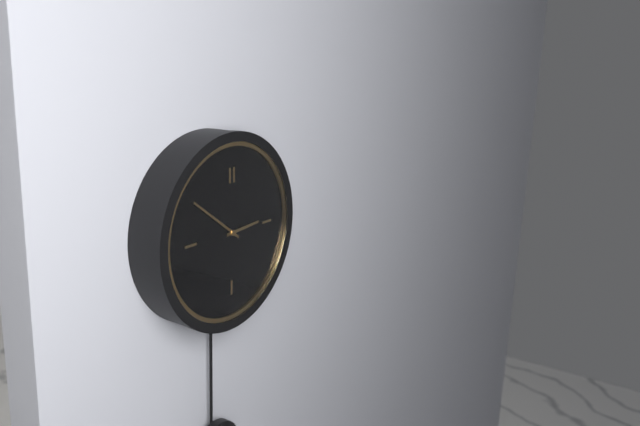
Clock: 2.51
